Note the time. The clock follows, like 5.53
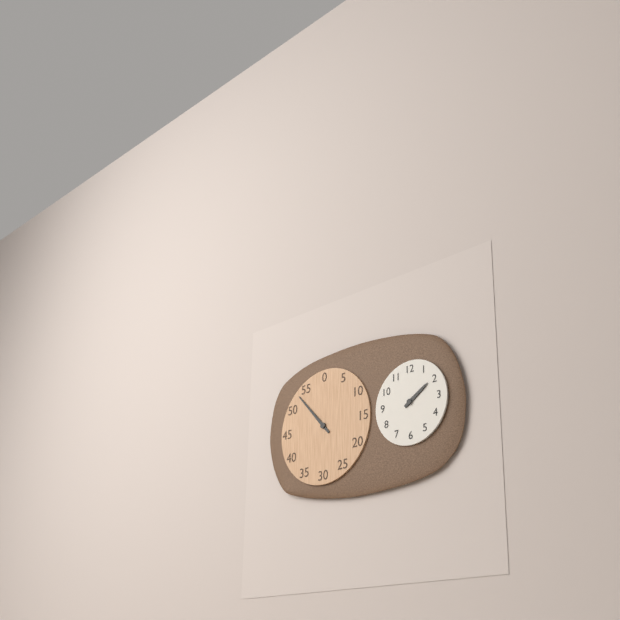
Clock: 1.53
